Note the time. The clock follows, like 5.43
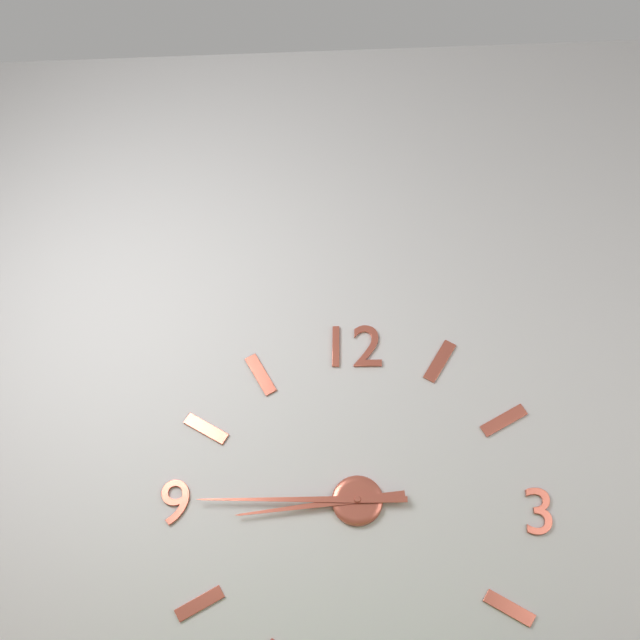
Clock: 8.45
